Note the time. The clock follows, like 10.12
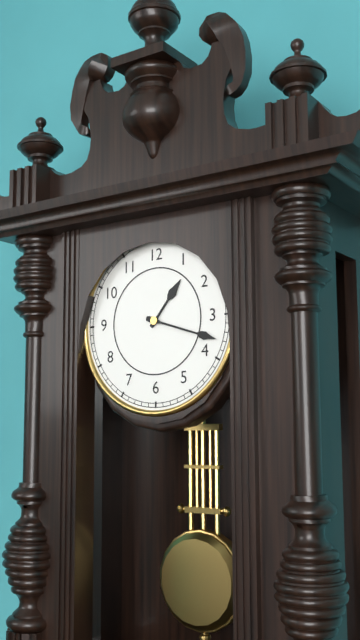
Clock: 1.18
